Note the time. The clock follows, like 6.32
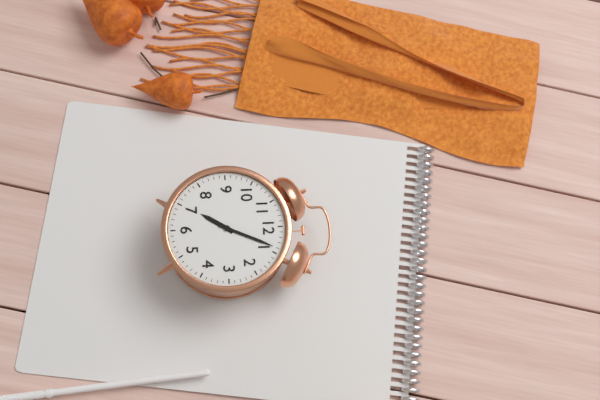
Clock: 7.04
